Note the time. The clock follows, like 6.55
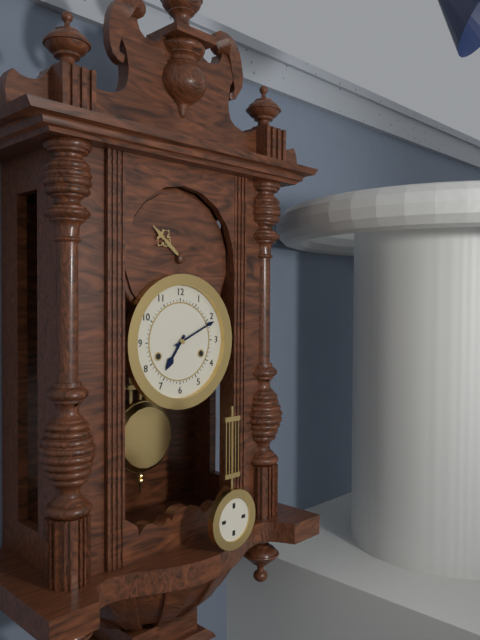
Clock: 7.11
